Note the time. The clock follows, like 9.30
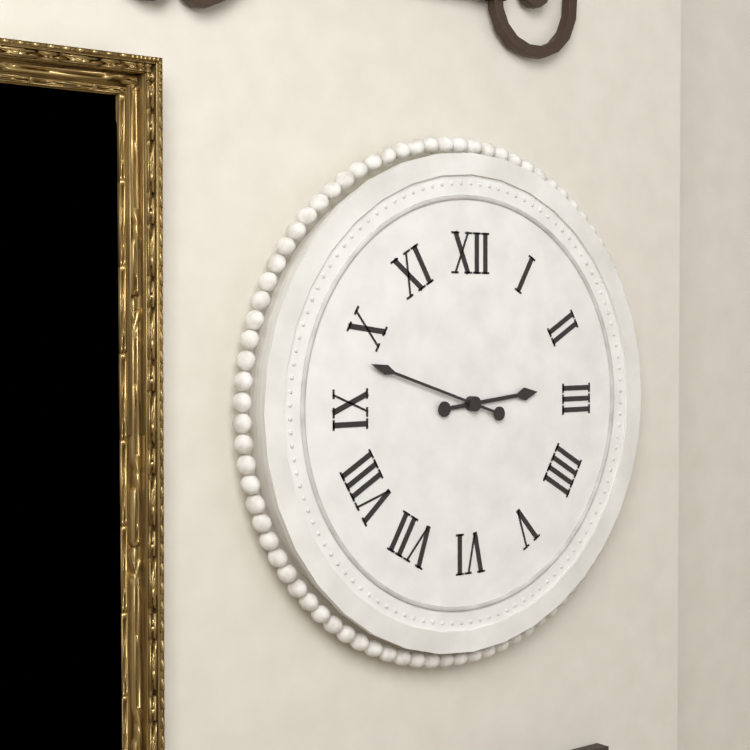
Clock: 2.48
